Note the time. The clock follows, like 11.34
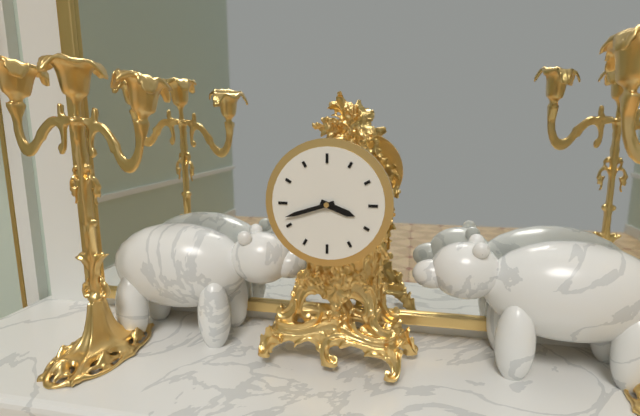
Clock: 3.42
